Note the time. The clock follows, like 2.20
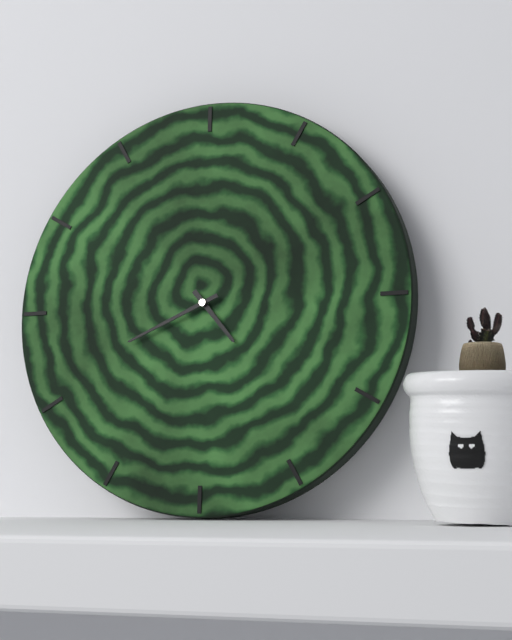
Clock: 4.41
